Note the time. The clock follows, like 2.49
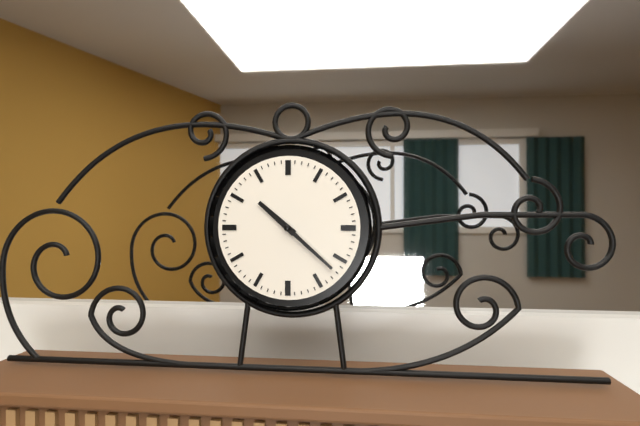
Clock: 10.22
